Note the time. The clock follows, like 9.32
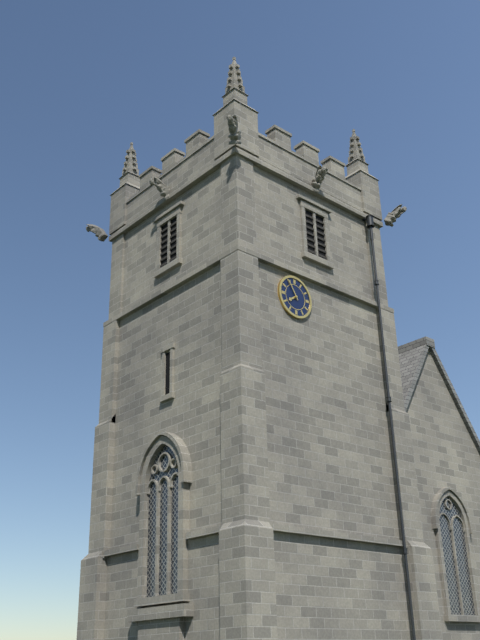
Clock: 7.55
